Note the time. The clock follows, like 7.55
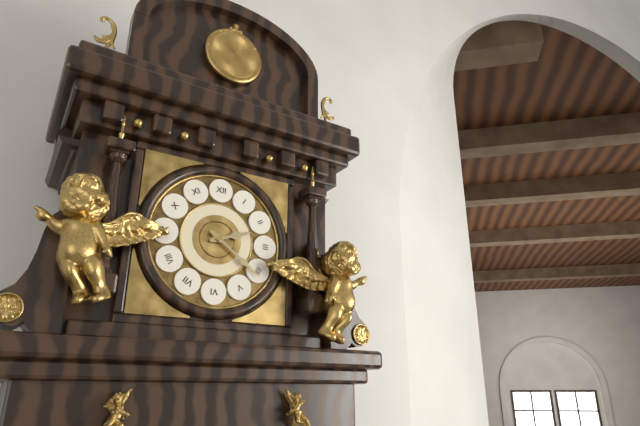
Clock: 2.21
